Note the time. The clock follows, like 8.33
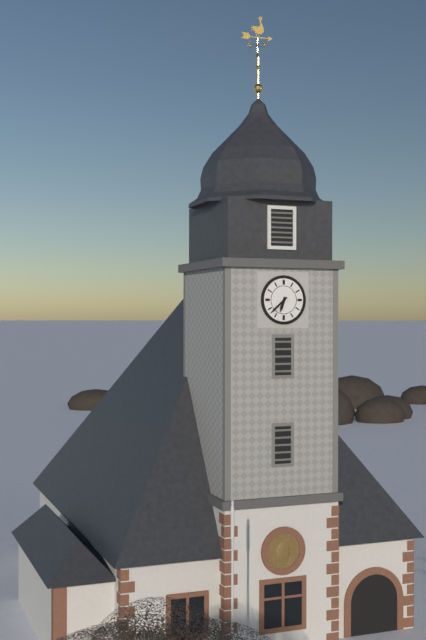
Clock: 6.38
